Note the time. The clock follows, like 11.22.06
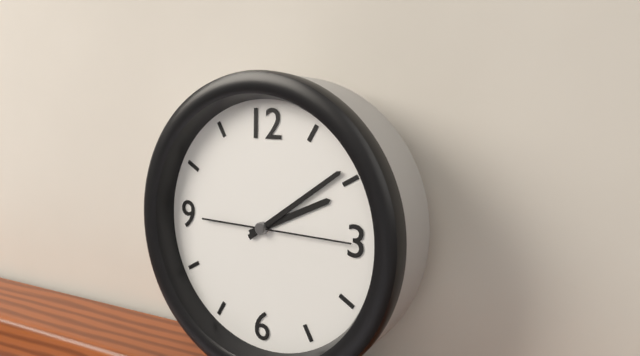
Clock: 2.09.15
